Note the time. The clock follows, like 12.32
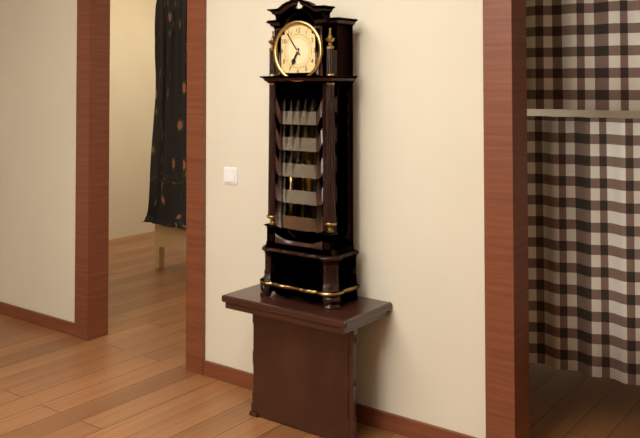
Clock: 6.54
